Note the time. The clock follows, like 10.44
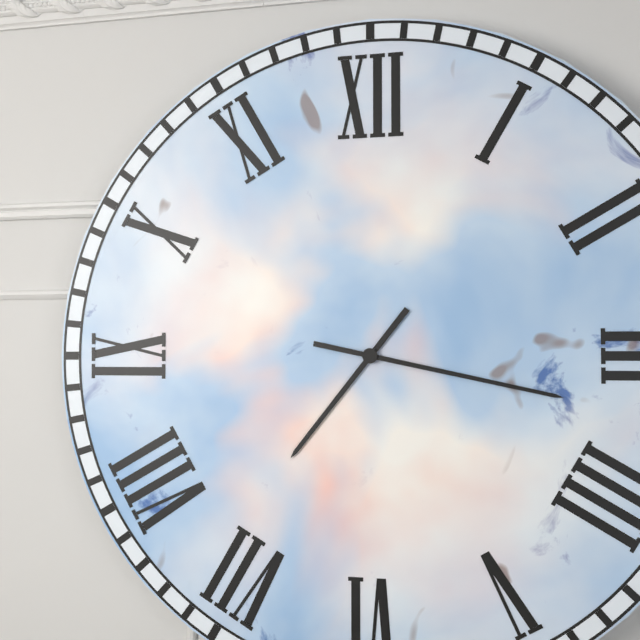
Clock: 7.17
